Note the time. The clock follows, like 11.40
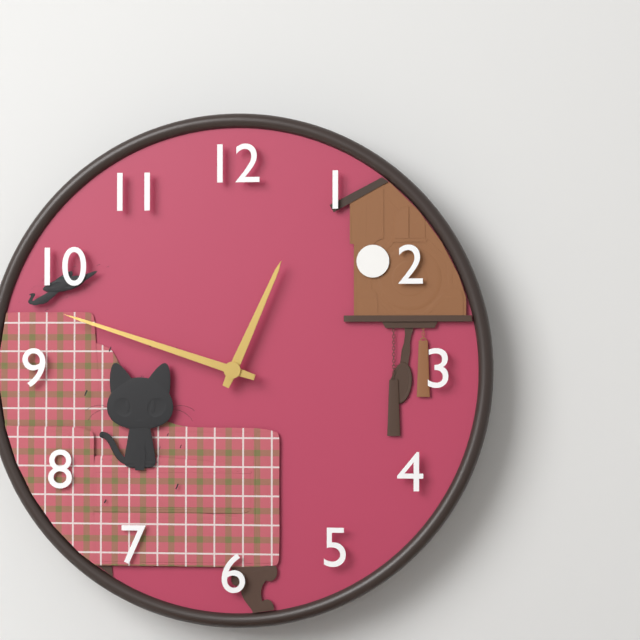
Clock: 12.48
